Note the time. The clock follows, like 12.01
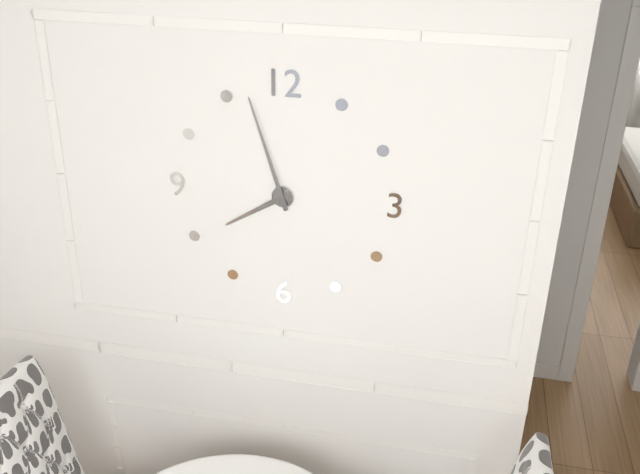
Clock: 7.57
